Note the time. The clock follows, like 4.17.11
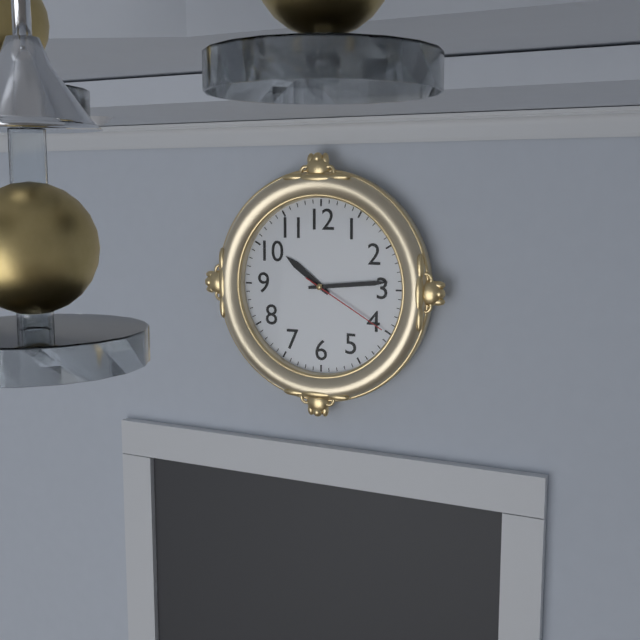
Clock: 10.14.20
